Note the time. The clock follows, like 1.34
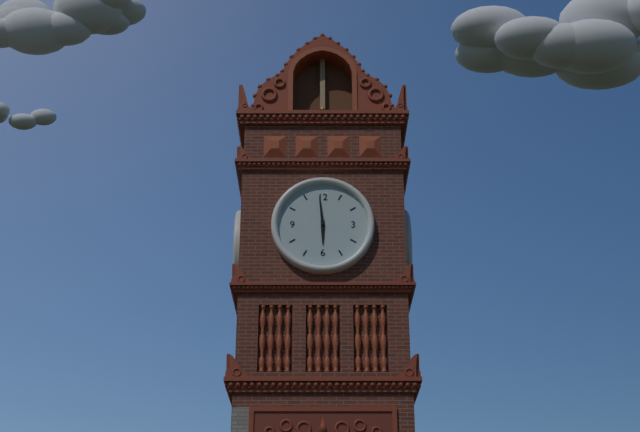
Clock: 5.59
